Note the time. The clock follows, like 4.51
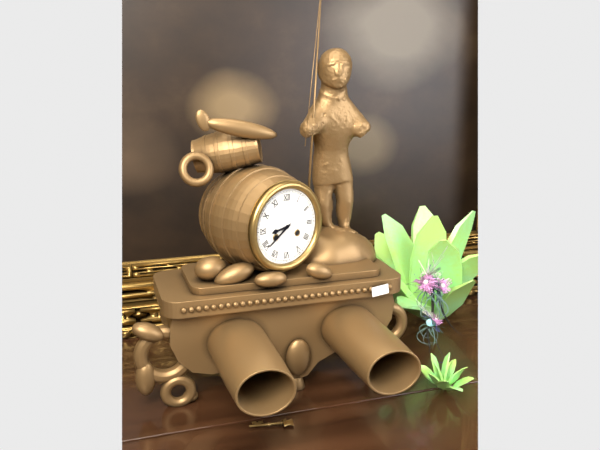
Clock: 8.39
